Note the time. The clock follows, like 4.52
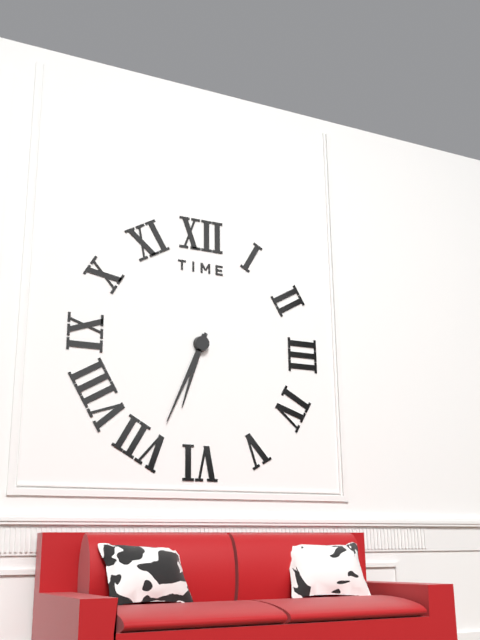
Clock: 6.34
